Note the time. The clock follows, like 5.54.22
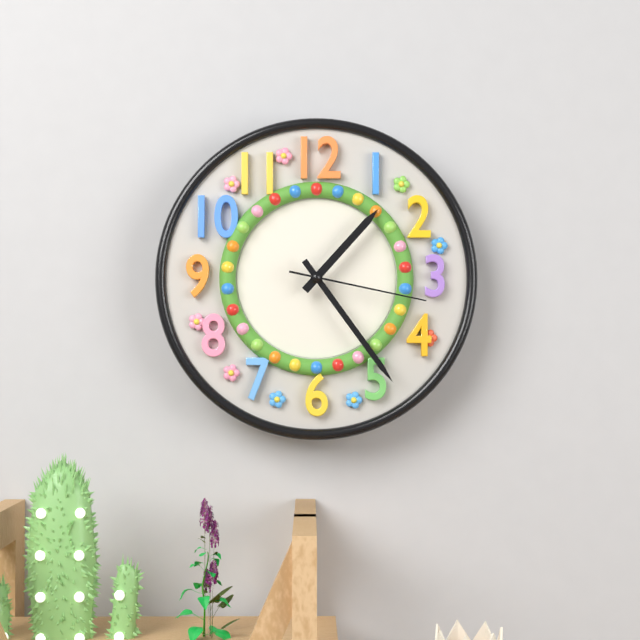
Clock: 1.24.17
